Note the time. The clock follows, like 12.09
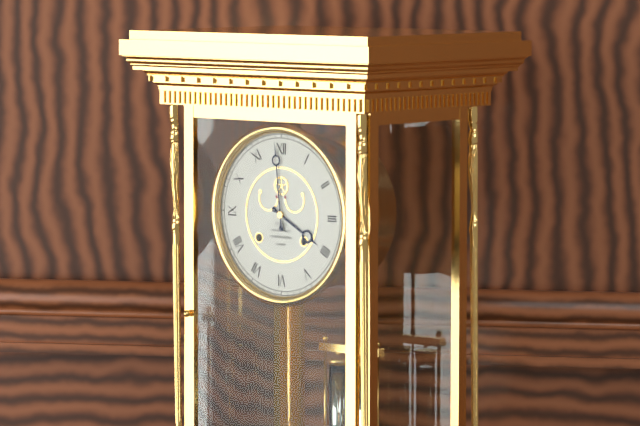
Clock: 3.59
